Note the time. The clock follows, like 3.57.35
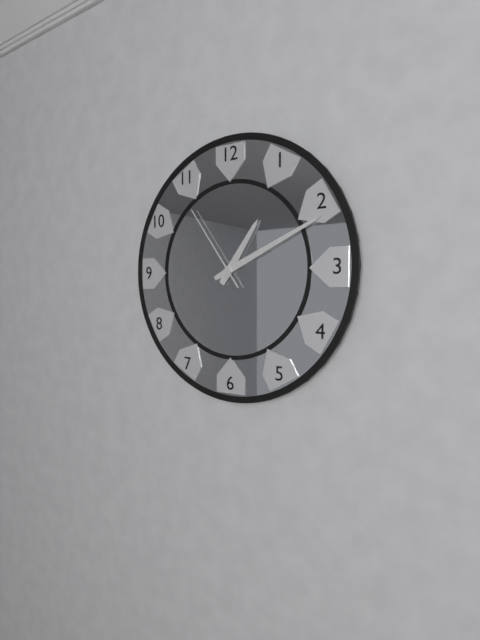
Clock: 1.11.54
